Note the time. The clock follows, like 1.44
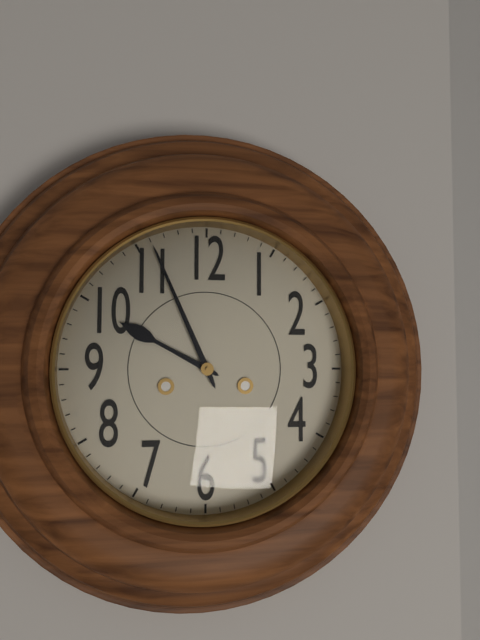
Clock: 9.56
